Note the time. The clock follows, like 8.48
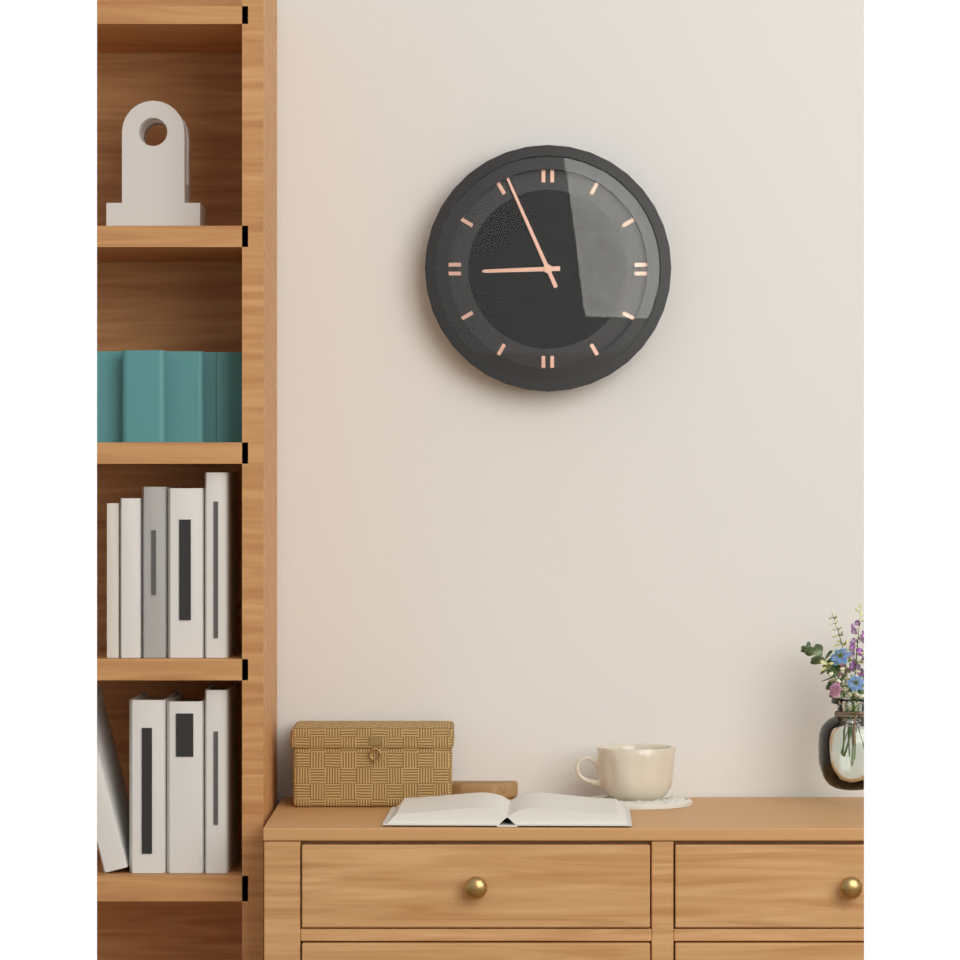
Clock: 8.56
